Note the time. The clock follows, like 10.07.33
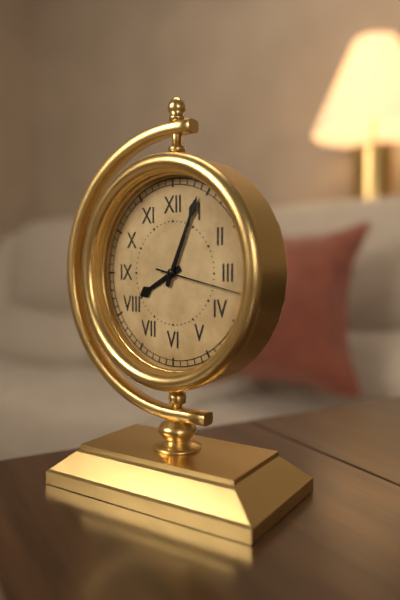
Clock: 8.04.17
